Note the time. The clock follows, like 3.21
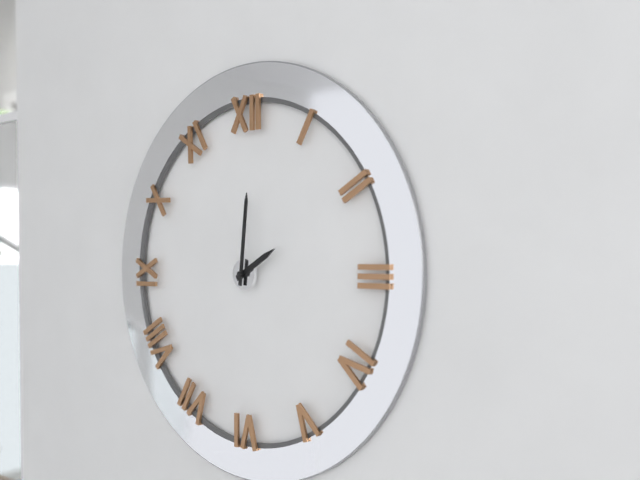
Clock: 2.01
